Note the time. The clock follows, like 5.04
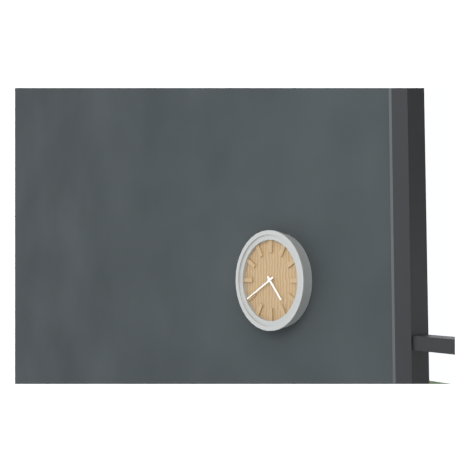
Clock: 4.40
